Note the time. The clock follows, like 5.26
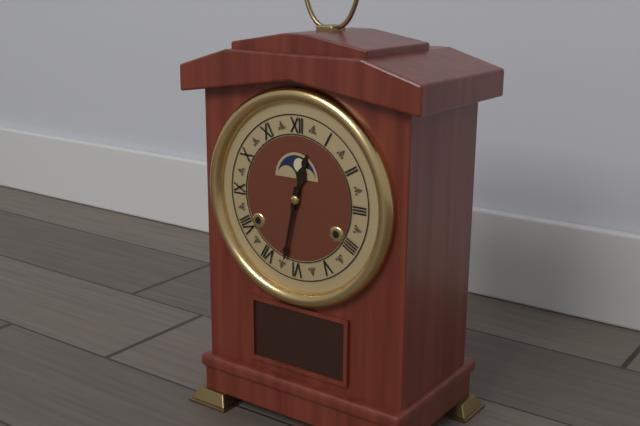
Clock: 12.32
